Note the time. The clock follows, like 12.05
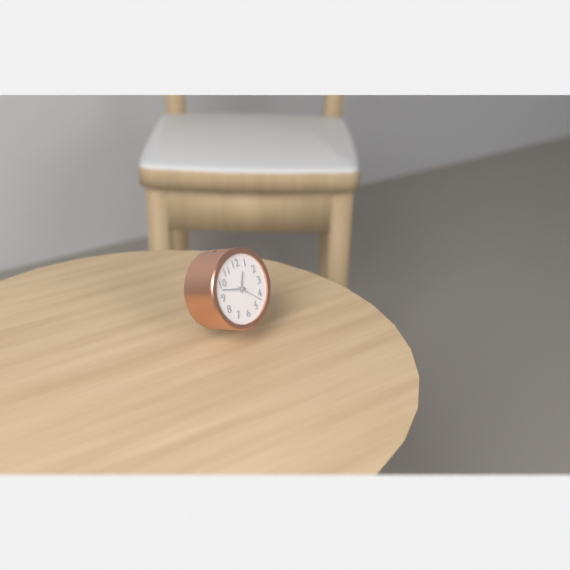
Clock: 12.48
